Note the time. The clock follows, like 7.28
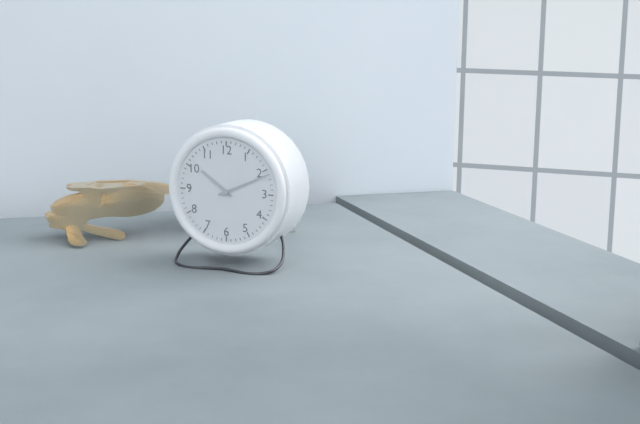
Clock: 10.11
